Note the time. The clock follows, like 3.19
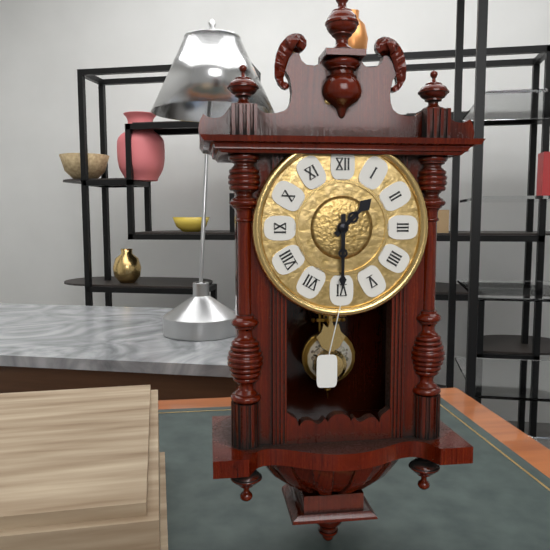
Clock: 1.30
